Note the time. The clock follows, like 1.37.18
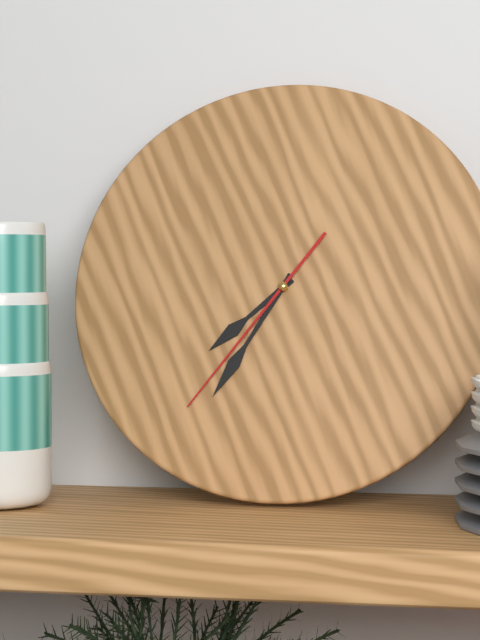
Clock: 7.35.36
